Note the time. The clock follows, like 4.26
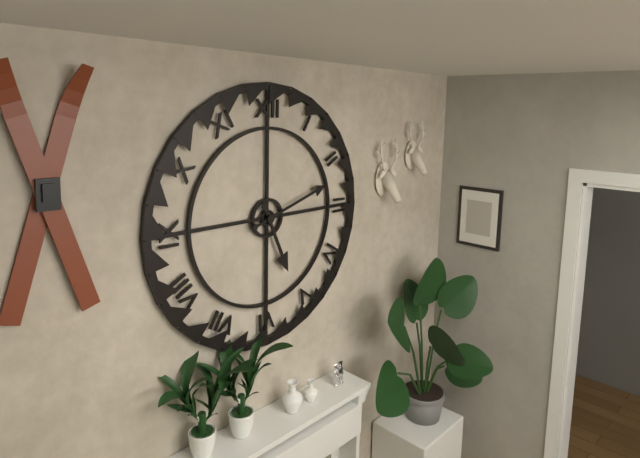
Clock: 5.12
